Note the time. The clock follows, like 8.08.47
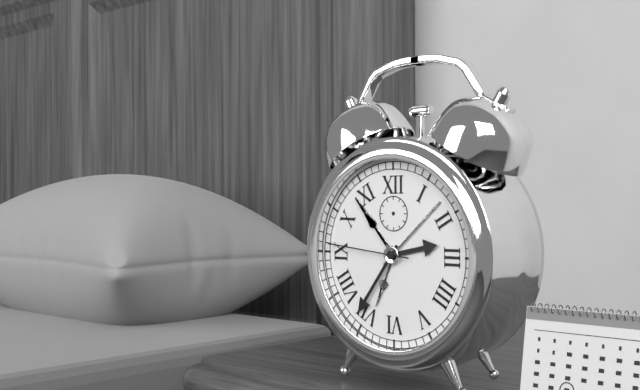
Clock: 2.36.46
